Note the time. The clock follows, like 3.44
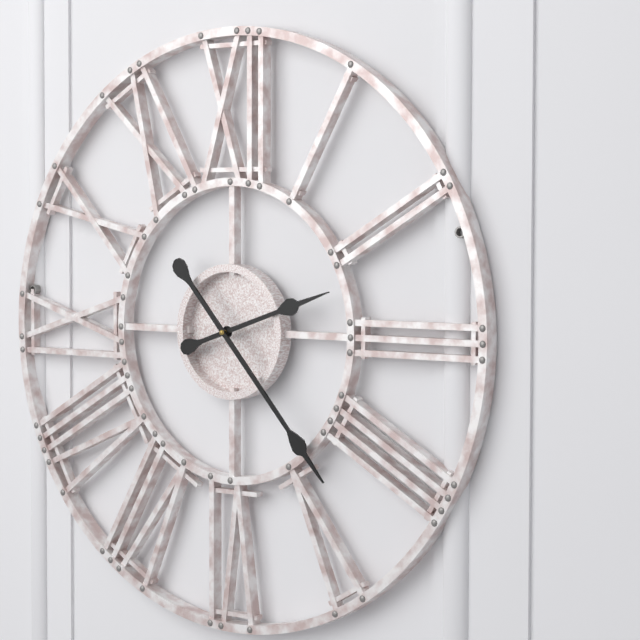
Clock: 2.23
